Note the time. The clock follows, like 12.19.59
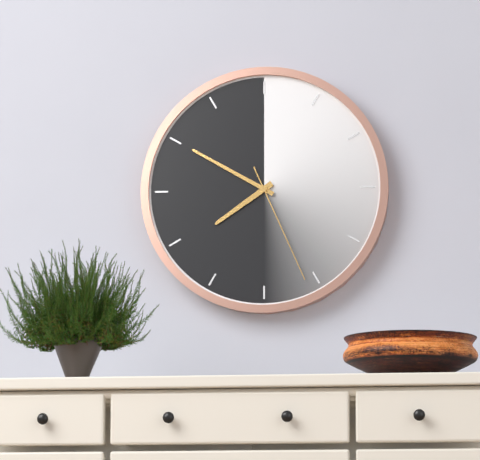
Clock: 7.50.26
